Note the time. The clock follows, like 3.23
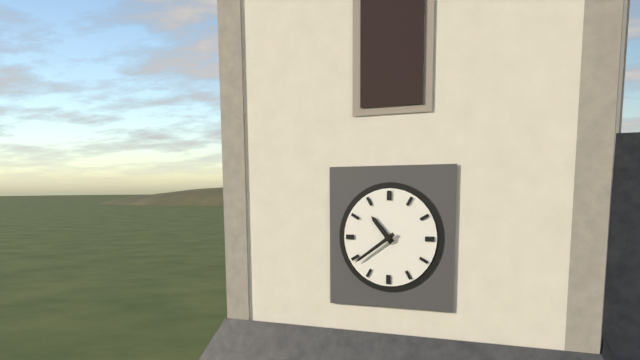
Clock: 10.39
